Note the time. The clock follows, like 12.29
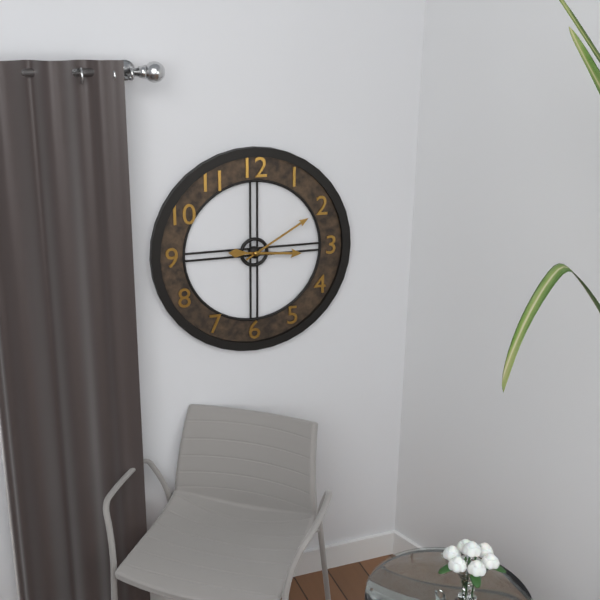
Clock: 3.10
